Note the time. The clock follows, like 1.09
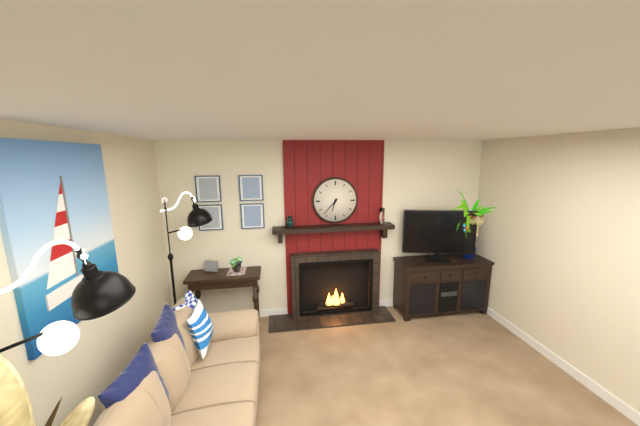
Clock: 6.37
